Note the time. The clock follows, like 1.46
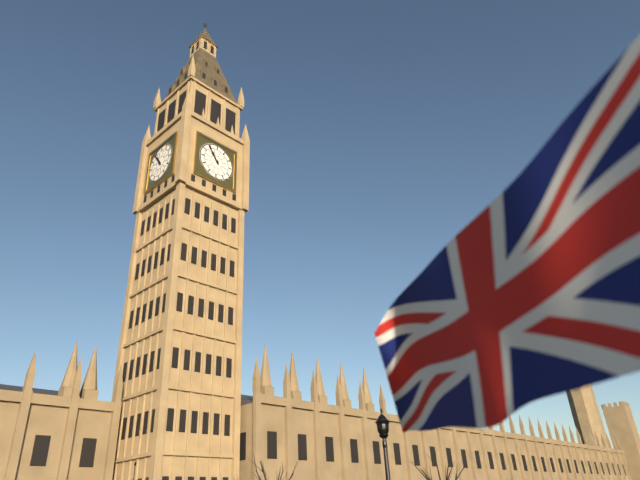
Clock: 10.54
